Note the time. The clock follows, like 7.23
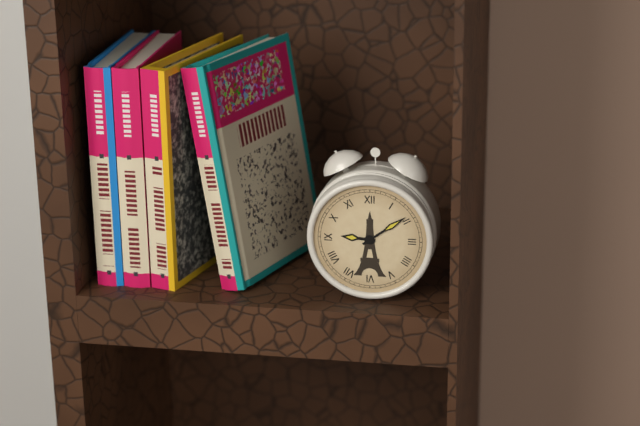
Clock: 9.09
